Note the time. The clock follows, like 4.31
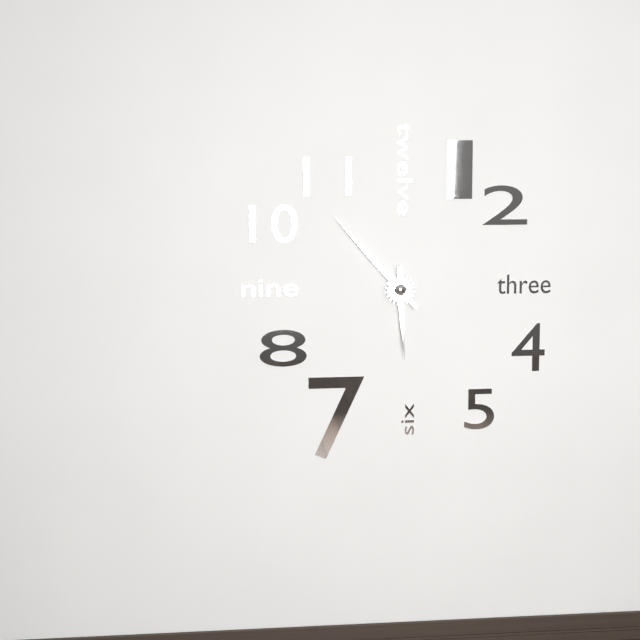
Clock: 5.53
